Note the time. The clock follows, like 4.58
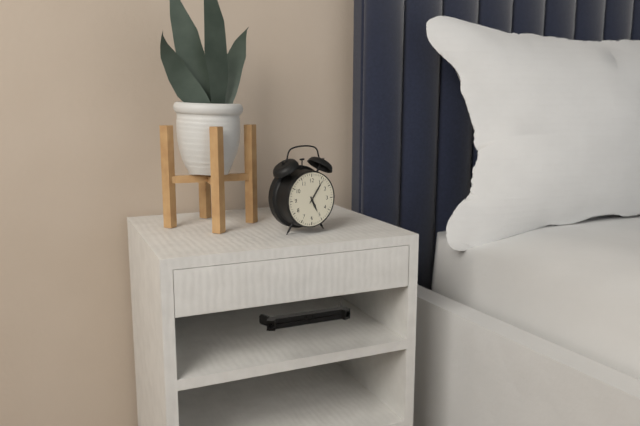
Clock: 5.06
